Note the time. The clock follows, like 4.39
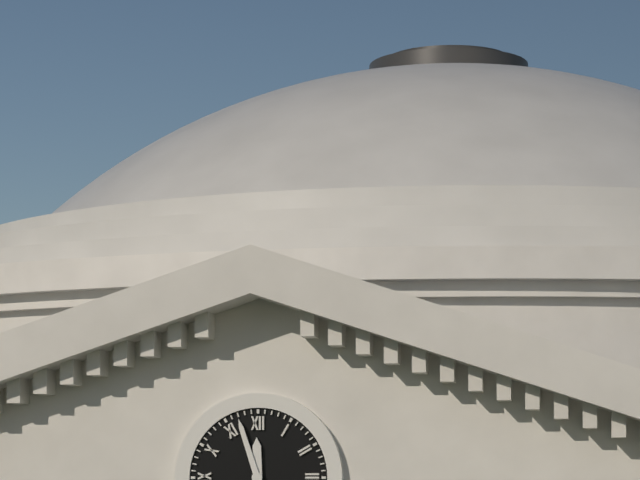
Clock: 11.57
